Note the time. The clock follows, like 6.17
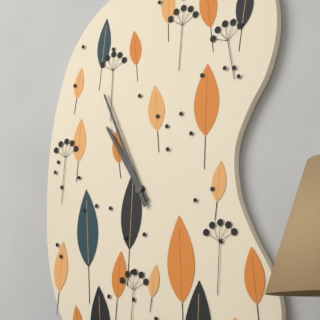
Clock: 10.56
